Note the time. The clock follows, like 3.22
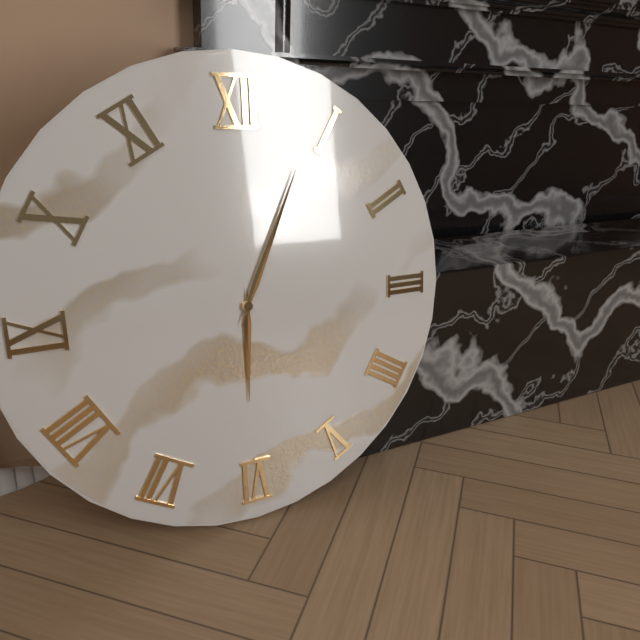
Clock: 6.04
